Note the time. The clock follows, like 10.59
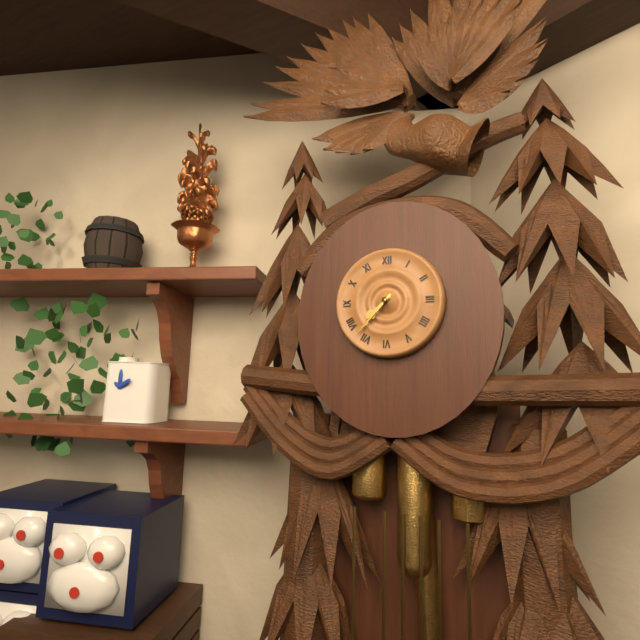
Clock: 7.37
